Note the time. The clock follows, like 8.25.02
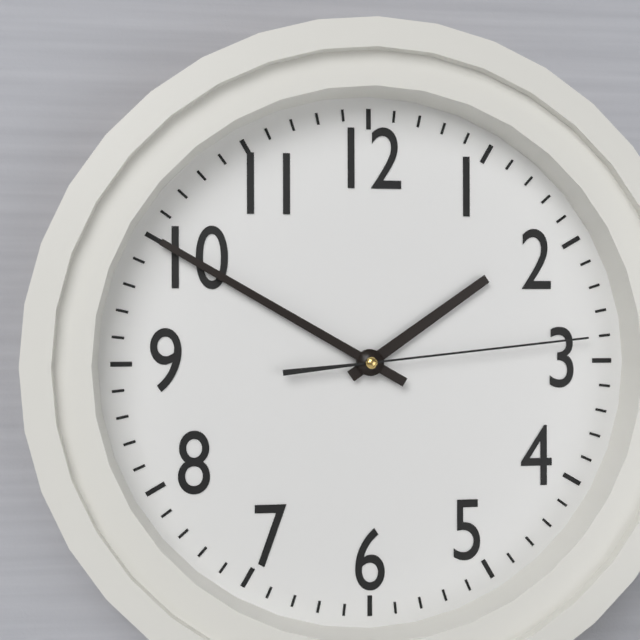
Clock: 1.50.14
